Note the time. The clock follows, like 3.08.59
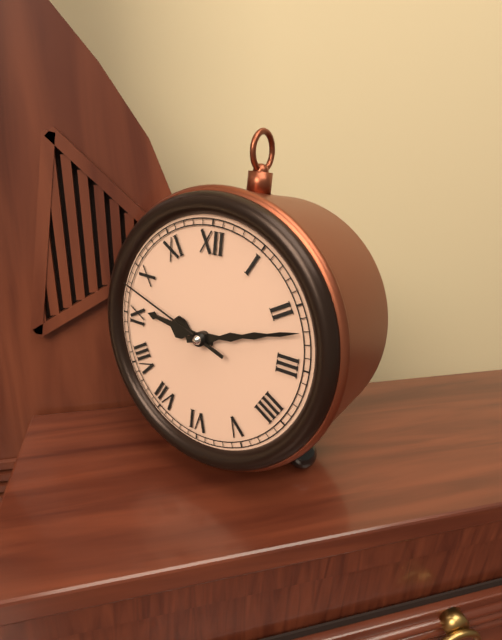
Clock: 9.12.48
